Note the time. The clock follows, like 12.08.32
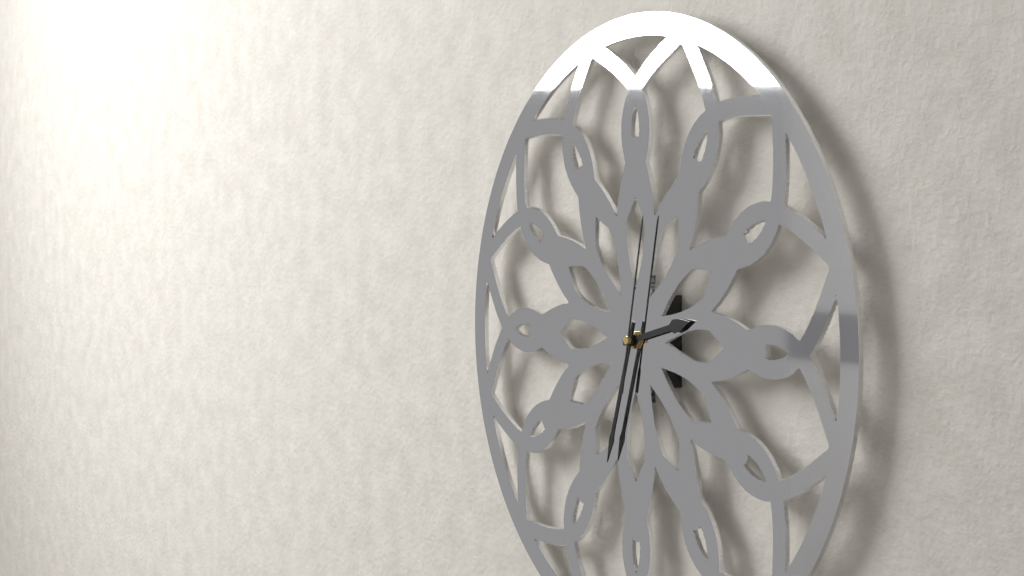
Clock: 2.33.02
